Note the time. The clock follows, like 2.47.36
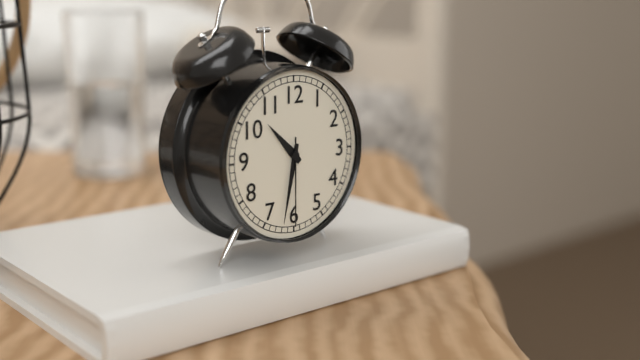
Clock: 10.32.30
